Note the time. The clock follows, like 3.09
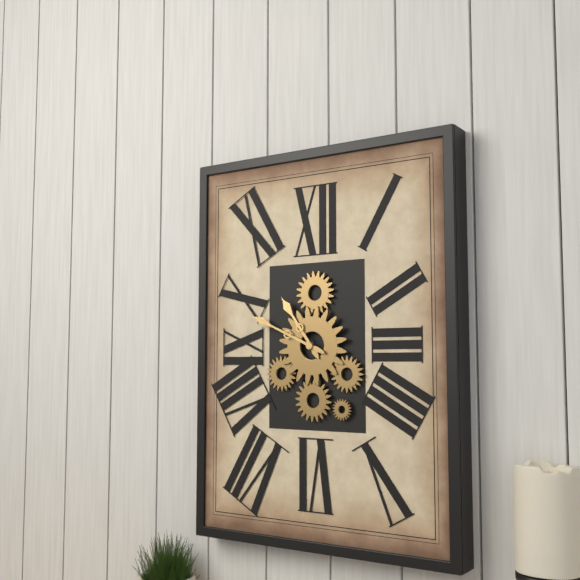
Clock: 10.49
